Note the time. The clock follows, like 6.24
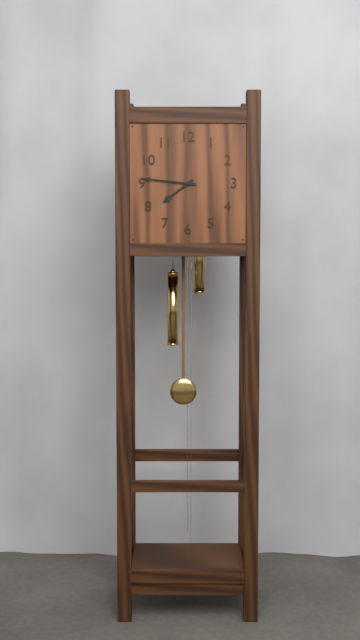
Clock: 7.46
